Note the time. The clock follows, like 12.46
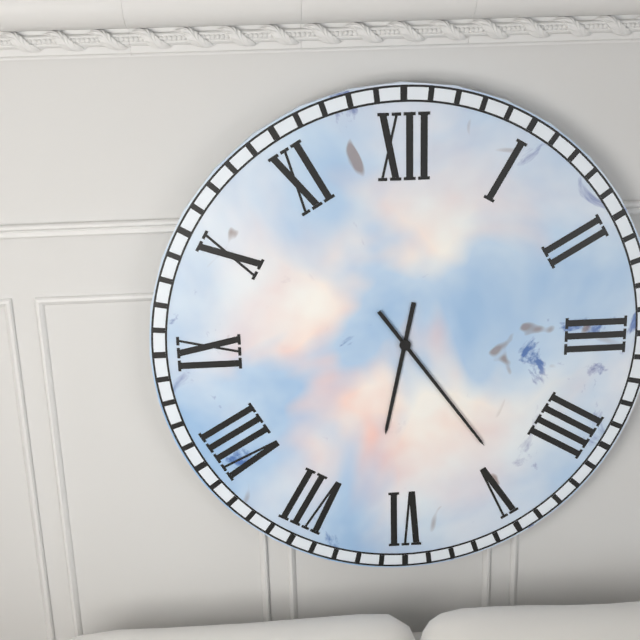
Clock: 6.24
